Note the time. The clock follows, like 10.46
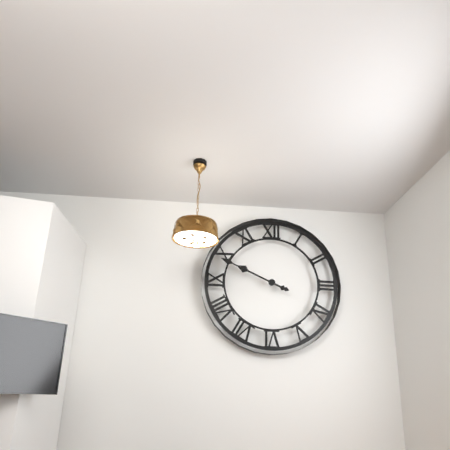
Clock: 9.49
